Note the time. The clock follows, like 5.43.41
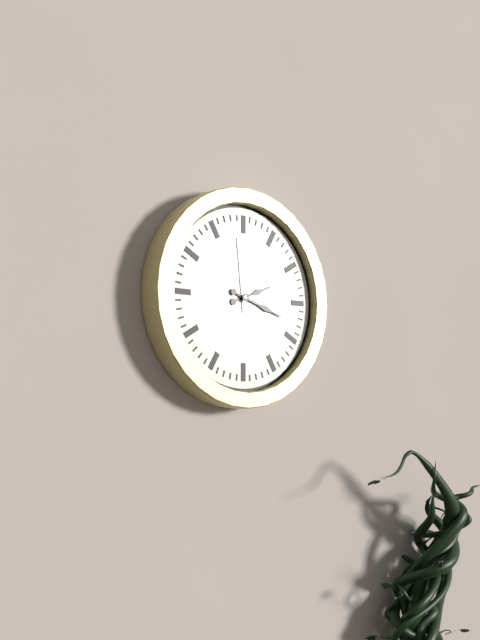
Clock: 2.18.59
